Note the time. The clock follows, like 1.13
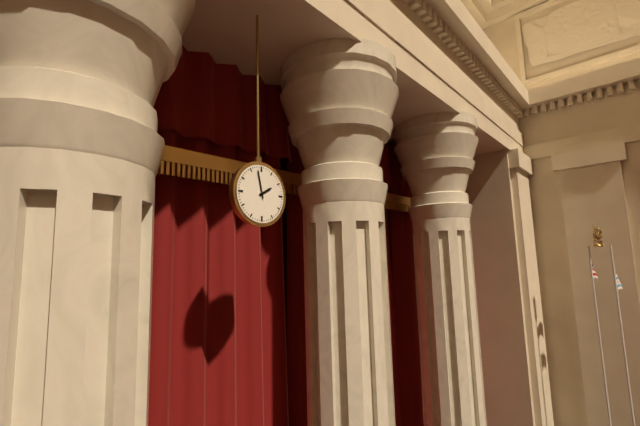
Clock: 1.58
